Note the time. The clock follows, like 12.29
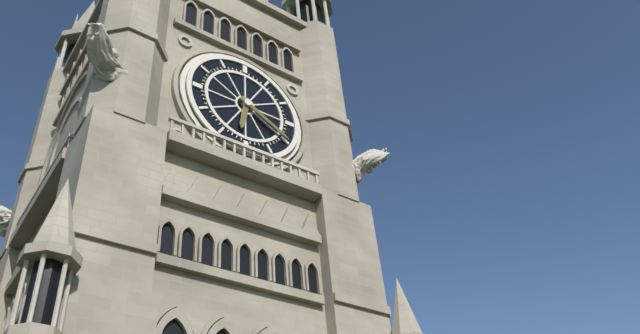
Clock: 6.20
